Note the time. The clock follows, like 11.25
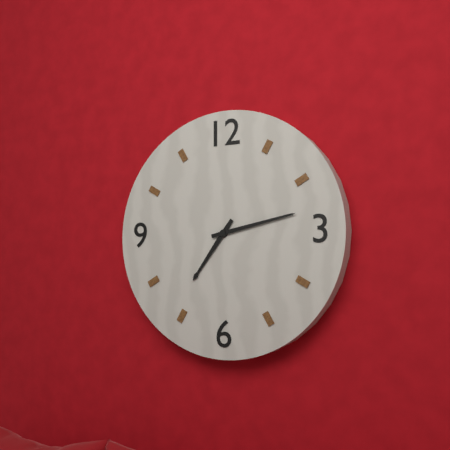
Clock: 7.13
